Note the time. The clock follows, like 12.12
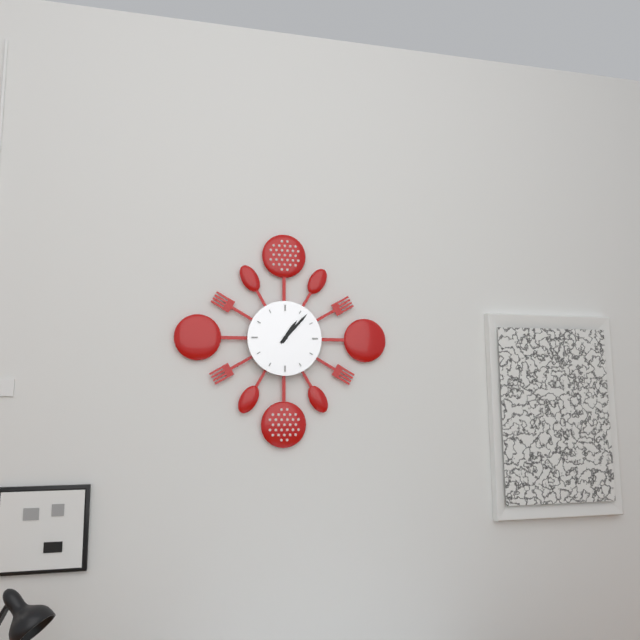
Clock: 1.07
